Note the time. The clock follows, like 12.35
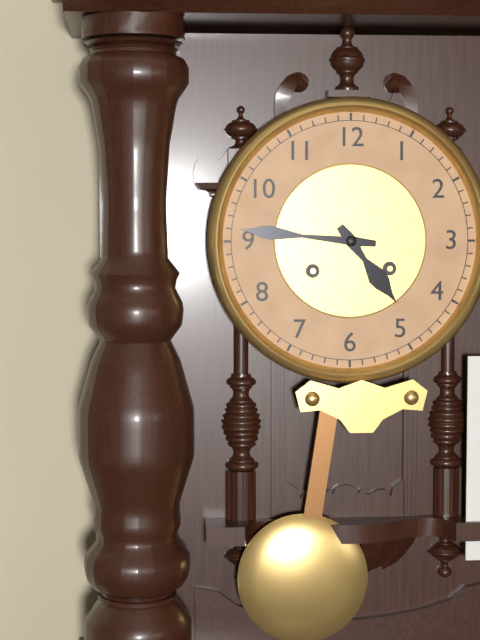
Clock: 4.46
